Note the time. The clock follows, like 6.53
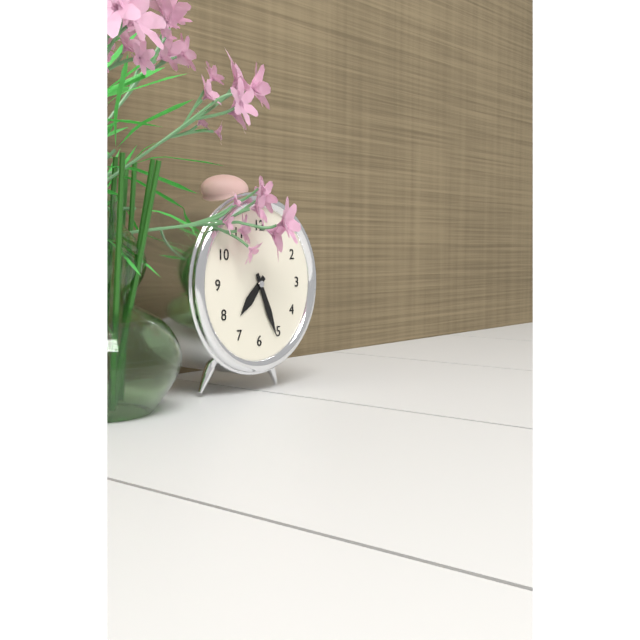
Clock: 7.26
